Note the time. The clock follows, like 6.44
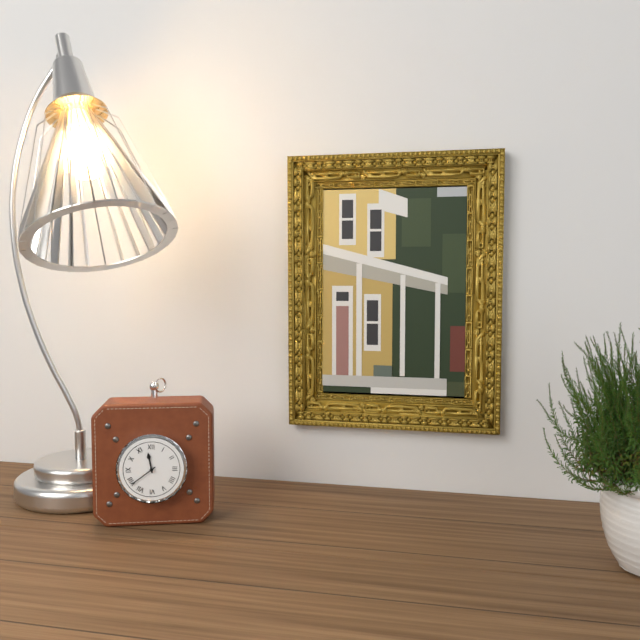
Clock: 11.39
